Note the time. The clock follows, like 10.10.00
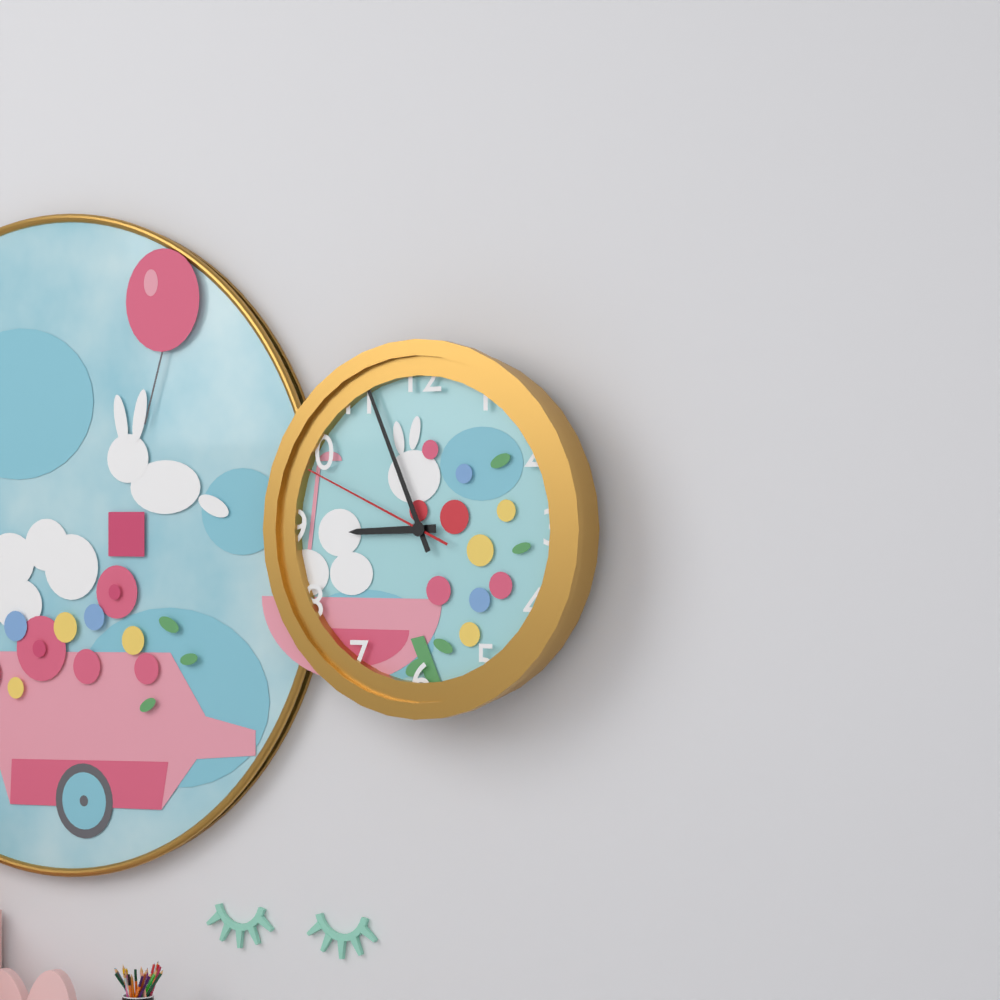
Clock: 8.56.49
